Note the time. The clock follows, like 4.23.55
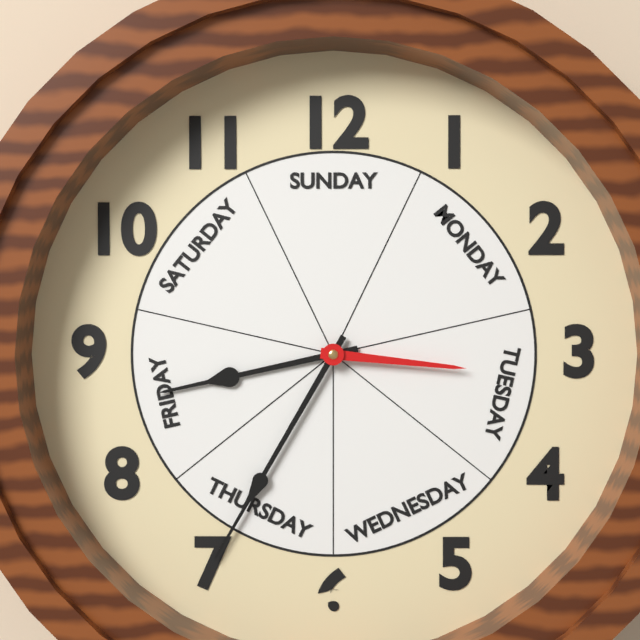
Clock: 8.35.16
